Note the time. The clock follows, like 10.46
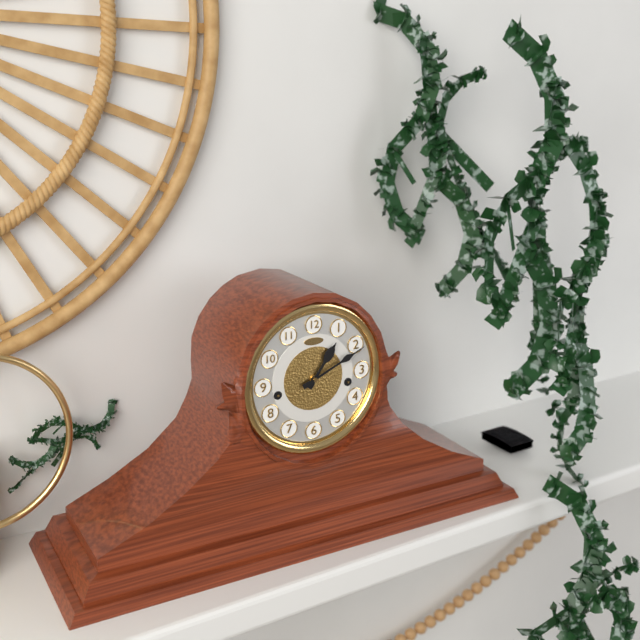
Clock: 1.11
